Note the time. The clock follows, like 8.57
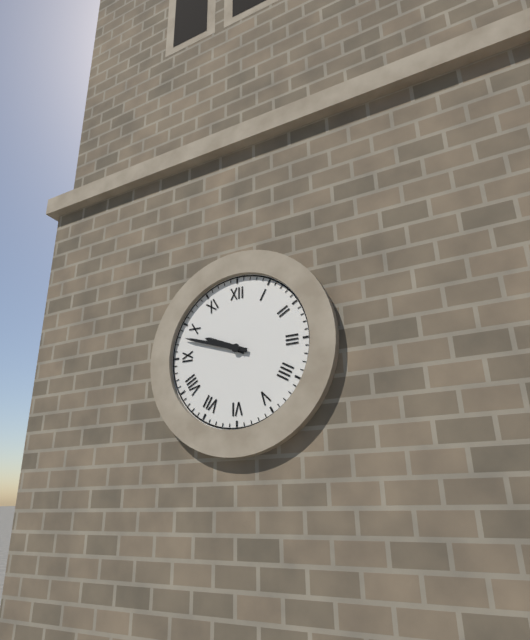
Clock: 9.48
